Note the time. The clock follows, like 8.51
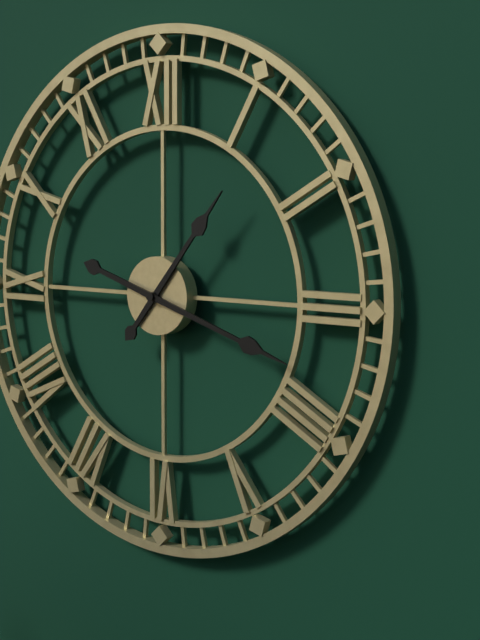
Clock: 1.18
